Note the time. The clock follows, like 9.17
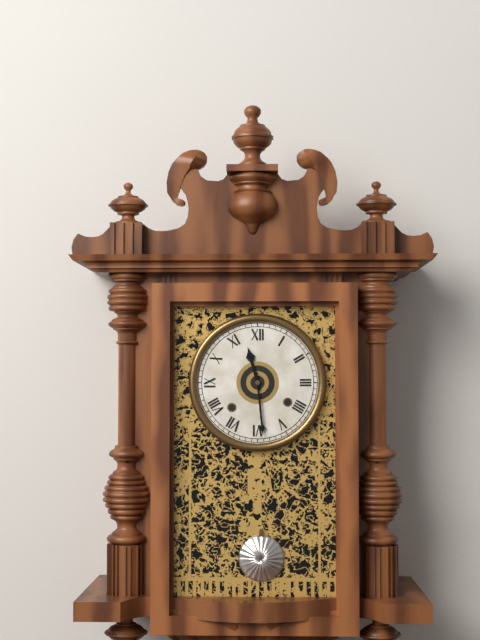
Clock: 11.29
